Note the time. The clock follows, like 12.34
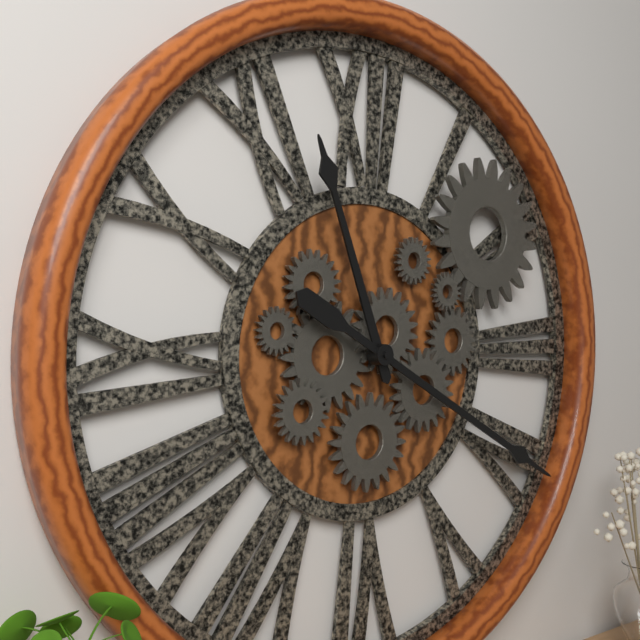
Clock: 11.20
